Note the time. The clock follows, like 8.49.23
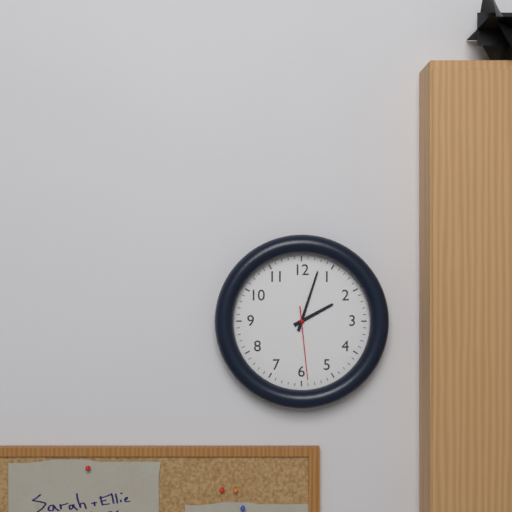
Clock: 2.03.29
